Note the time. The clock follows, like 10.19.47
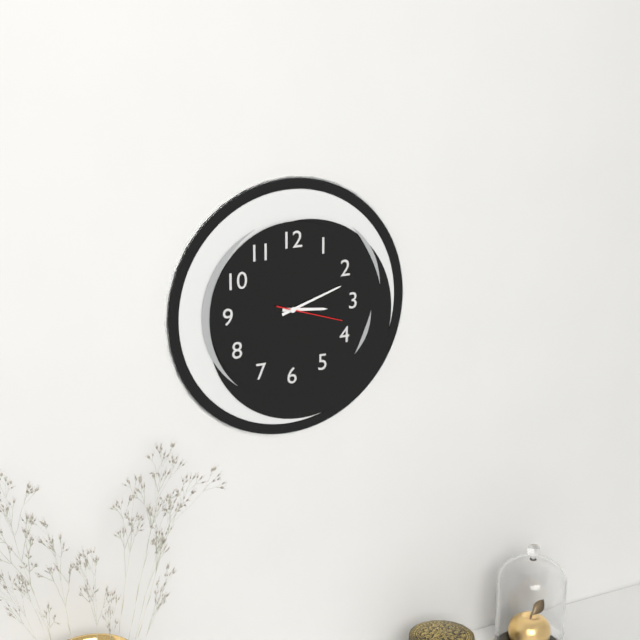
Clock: 3.12.18
